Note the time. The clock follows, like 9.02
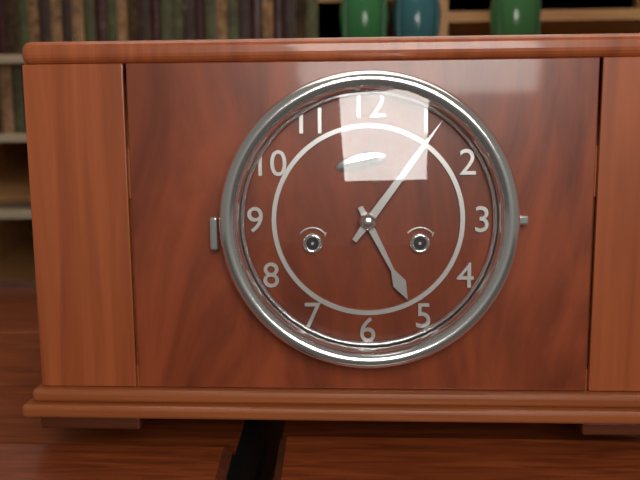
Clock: 5.06
